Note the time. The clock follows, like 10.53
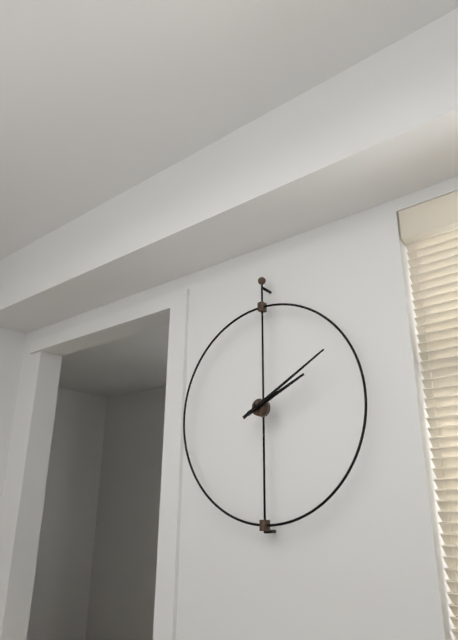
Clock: 2.10
